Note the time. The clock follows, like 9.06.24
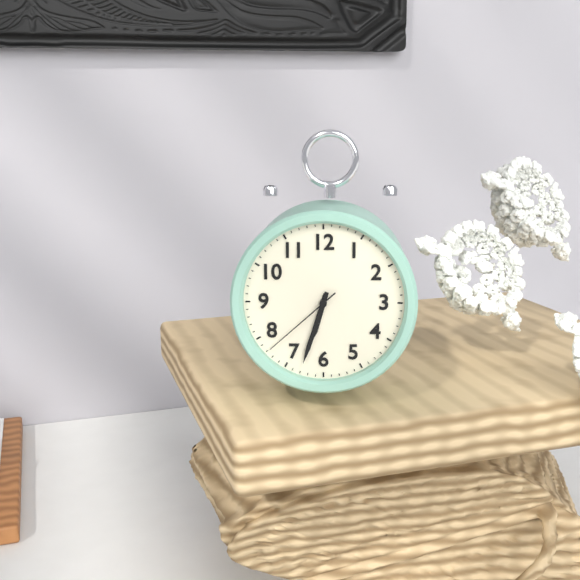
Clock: 6.33.38
